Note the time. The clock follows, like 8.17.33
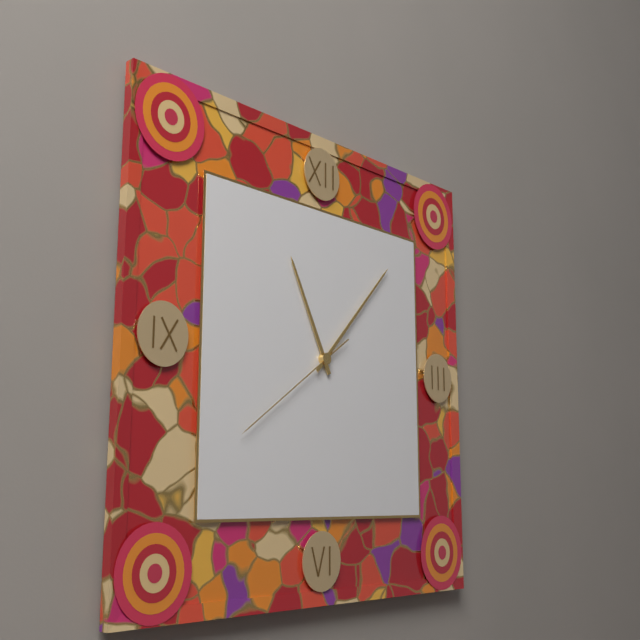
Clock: 11.07.39
